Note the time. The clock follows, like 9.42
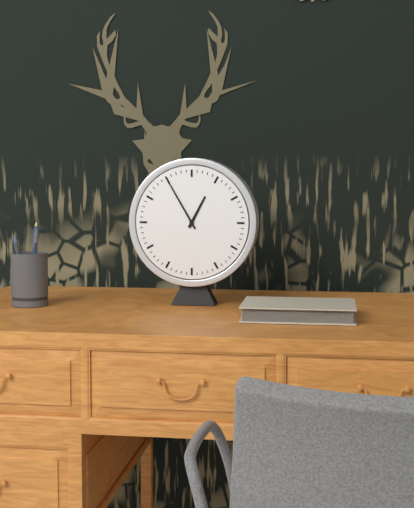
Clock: 12.55
